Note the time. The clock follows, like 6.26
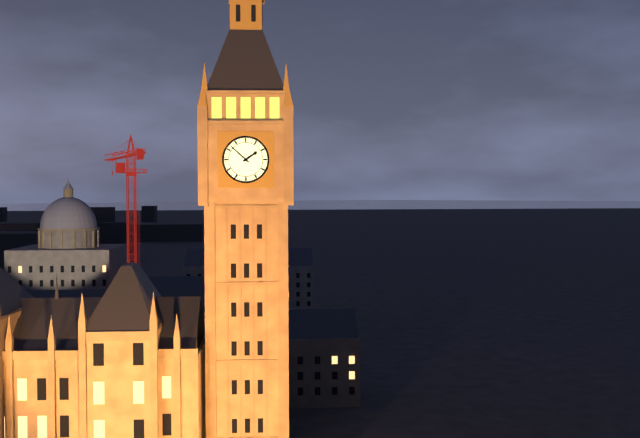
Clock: 1.52
